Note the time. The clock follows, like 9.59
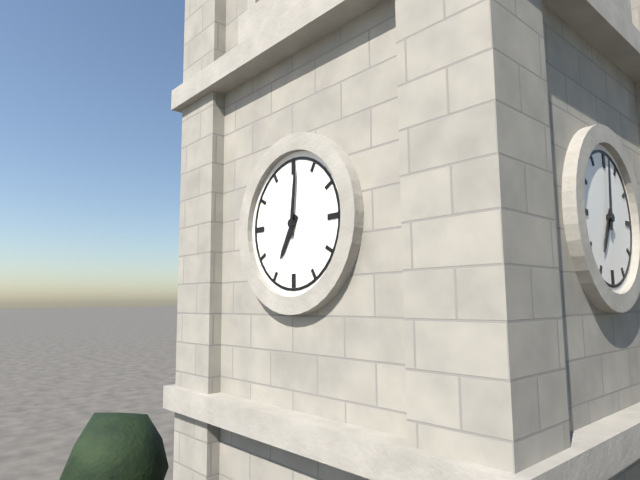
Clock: 7.01
